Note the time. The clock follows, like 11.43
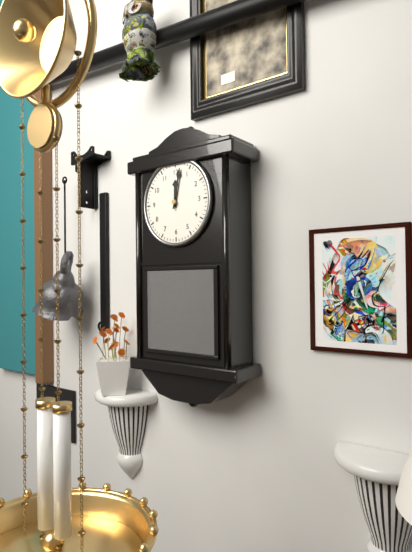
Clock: 12.02
